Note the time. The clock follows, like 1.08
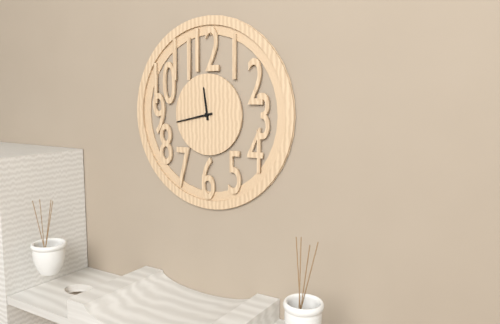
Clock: 11.43
